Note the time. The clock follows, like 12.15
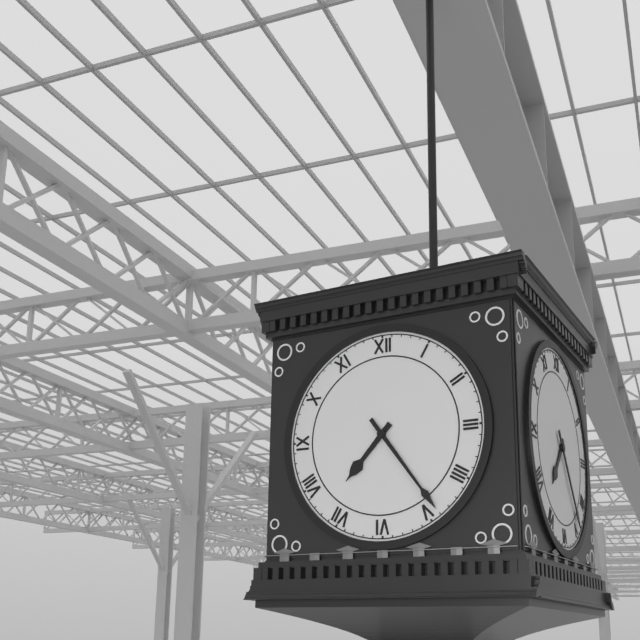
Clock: 7.24
